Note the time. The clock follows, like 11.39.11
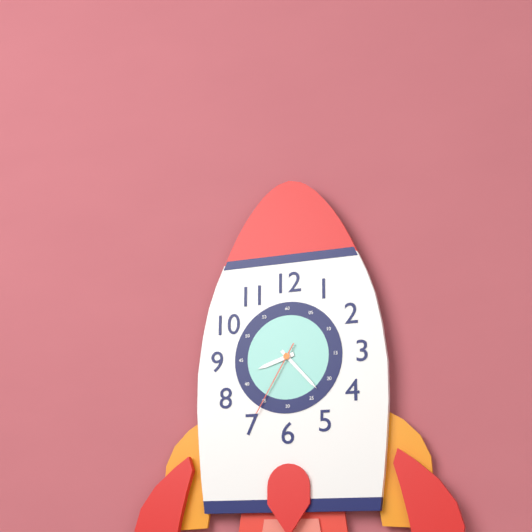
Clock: 8.23.35
